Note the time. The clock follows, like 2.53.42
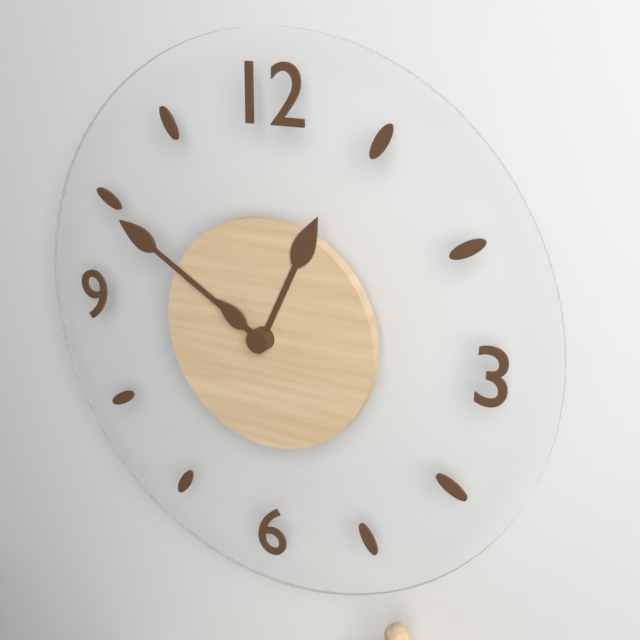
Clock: 12.50.51
